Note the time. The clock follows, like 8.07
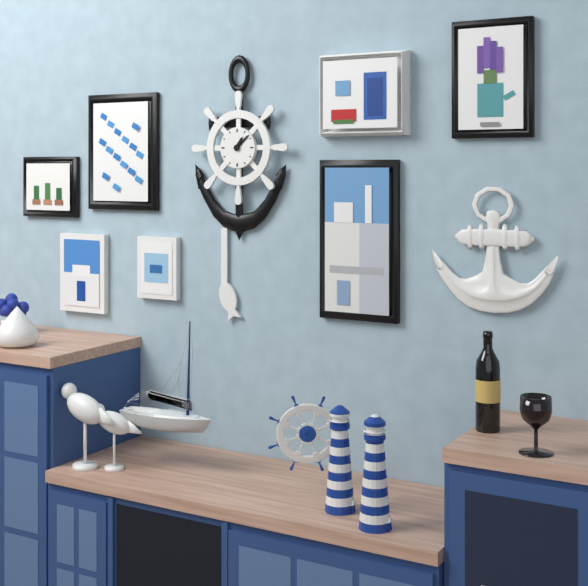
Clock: 1.08
